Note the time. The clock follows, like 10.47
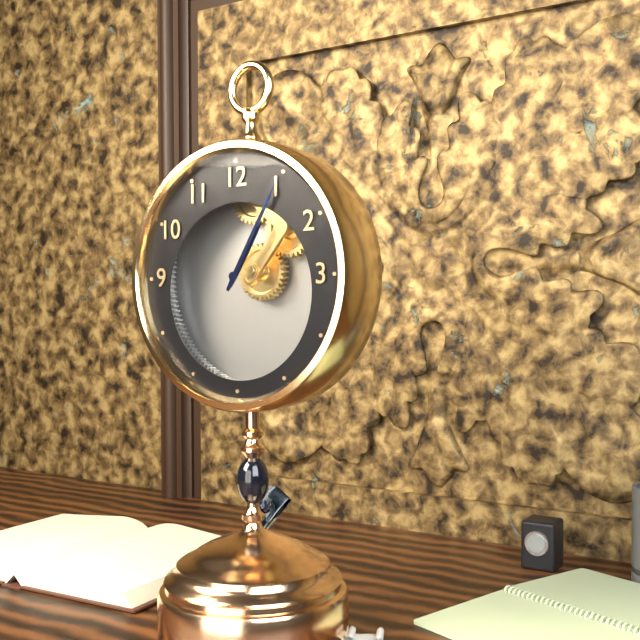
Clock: 1.05
